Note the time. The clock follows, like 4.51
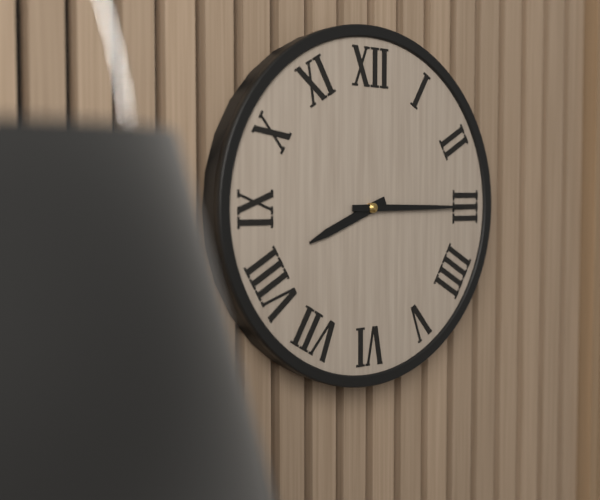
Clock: 8.15
